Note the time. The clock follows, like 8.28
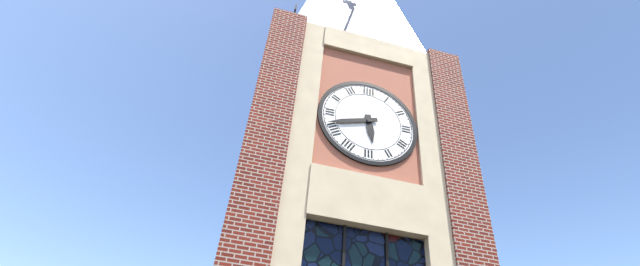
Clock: 5.42
